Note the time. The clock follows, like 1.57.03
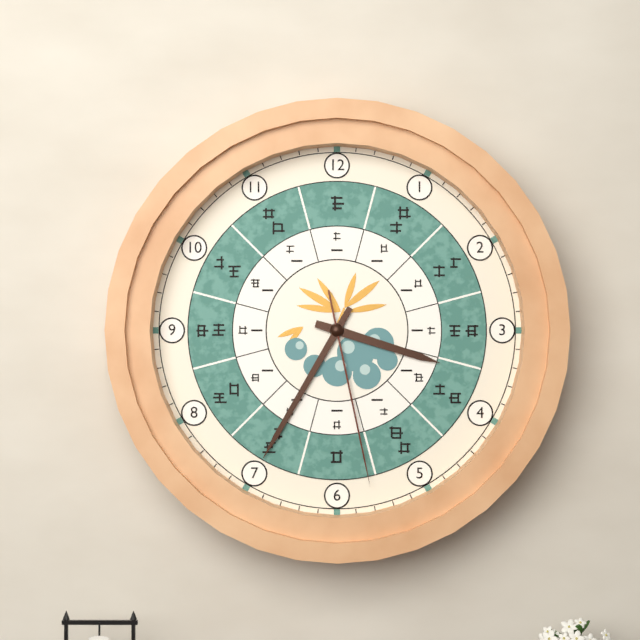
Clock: 3.35.28
